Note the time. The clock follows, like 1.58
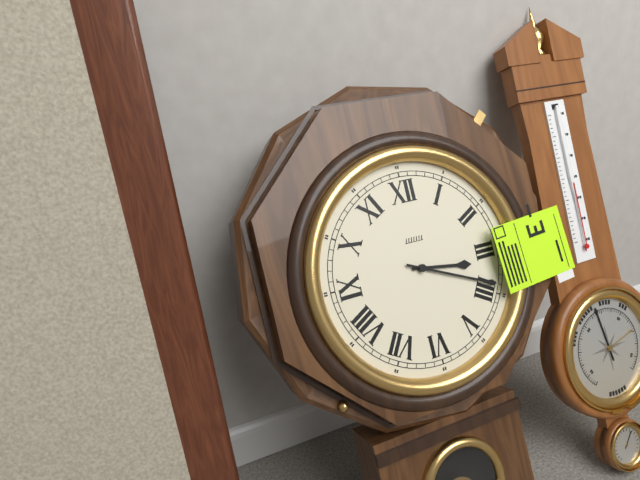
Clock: 3.19
